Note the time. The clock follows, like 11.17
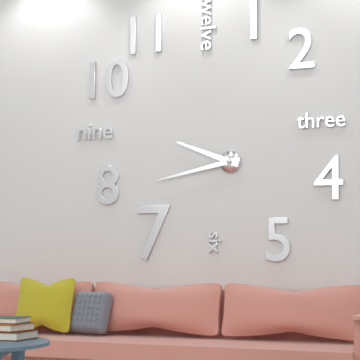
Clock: 9.43
